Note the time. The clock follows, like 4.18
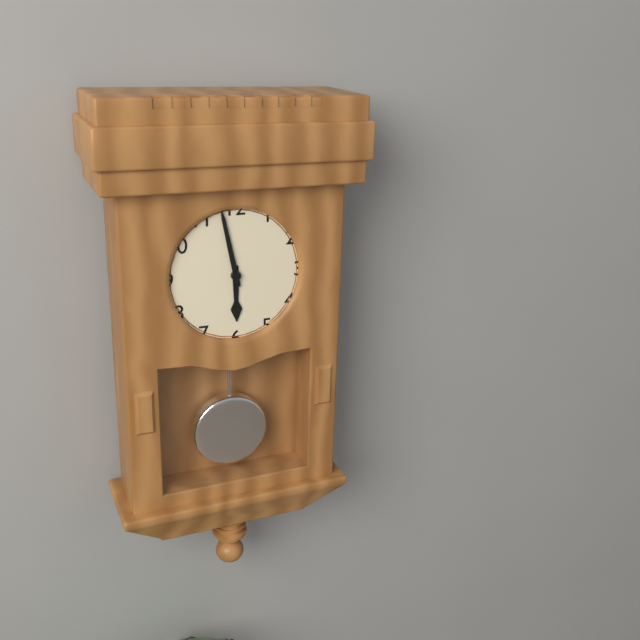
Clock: 5.58
